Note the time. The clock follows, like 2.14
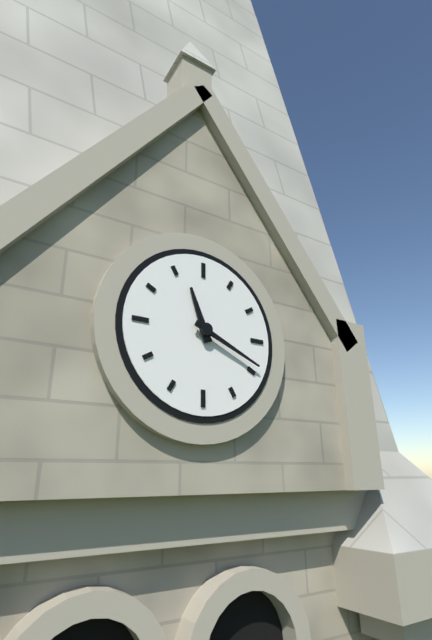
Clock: 11.19
